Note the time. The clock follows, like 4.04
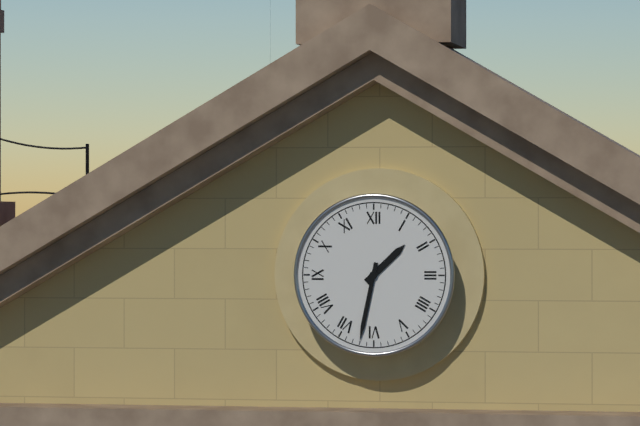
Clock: 1.32
